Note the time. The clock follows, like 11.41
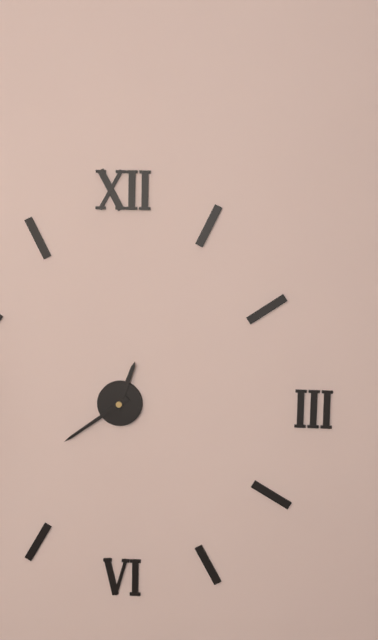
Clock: 12.39
